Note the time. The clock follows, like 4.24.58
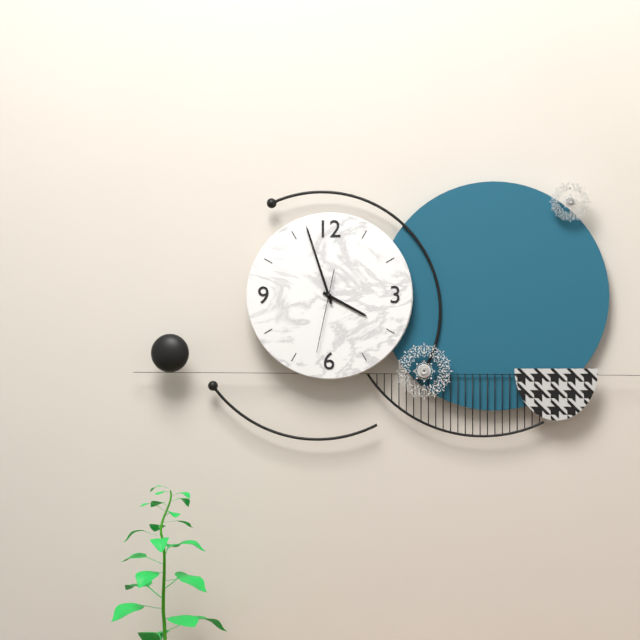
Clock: 3.57.32
